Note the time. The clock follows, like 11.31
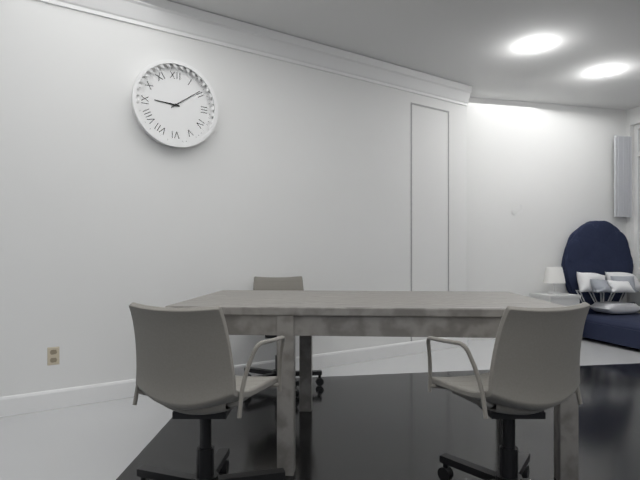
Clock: 9.09
